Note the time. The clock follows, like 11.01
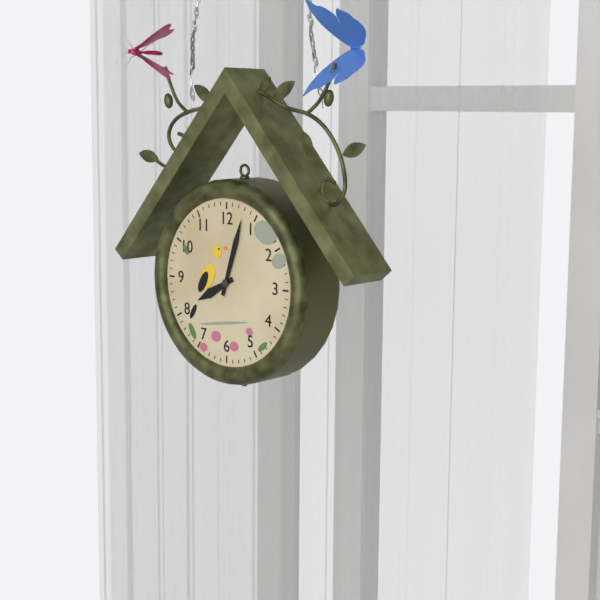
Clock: 8.03
